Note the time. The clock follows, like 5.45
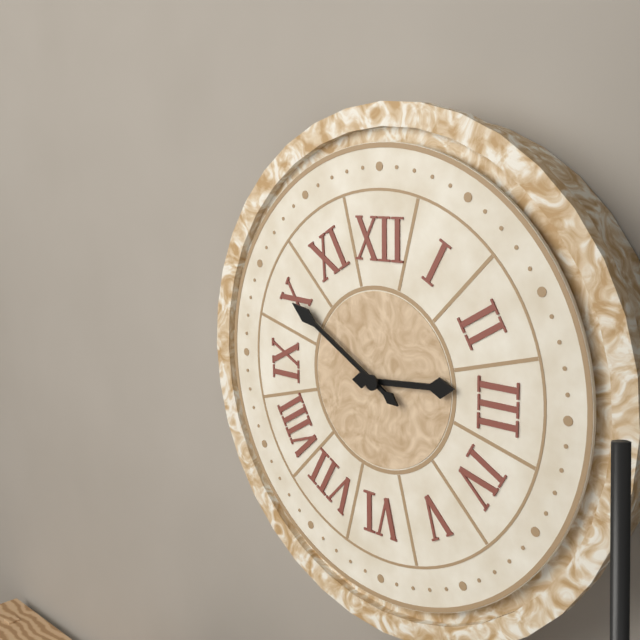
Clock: 2.50
